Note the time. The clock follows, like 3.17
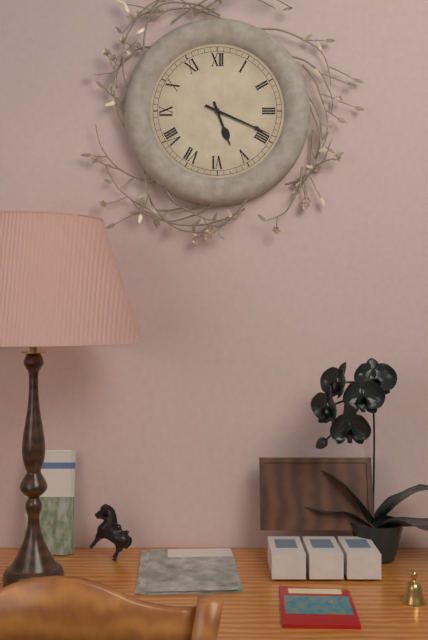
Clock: 5.19
